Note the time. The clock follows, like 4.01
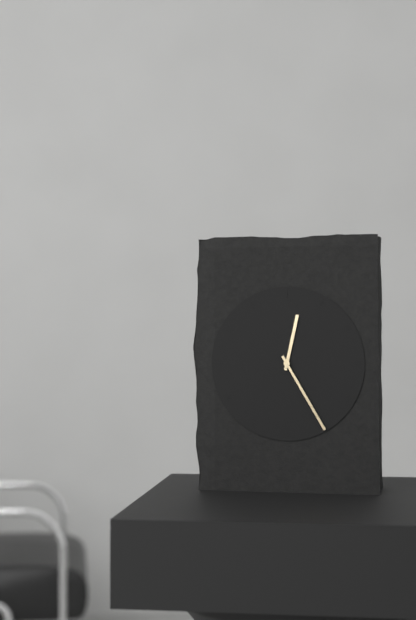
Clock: 12.25
